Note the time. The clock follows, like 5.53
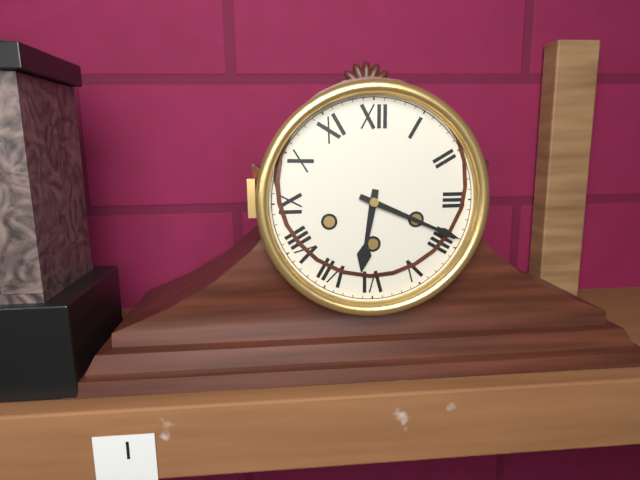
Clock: 6.19
